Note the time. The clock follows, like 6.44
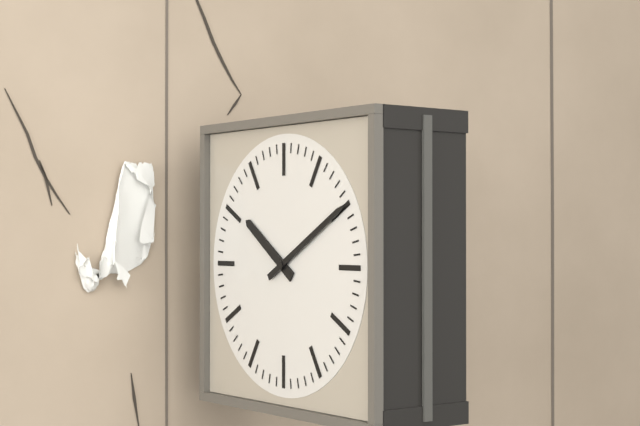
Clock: 10.10
